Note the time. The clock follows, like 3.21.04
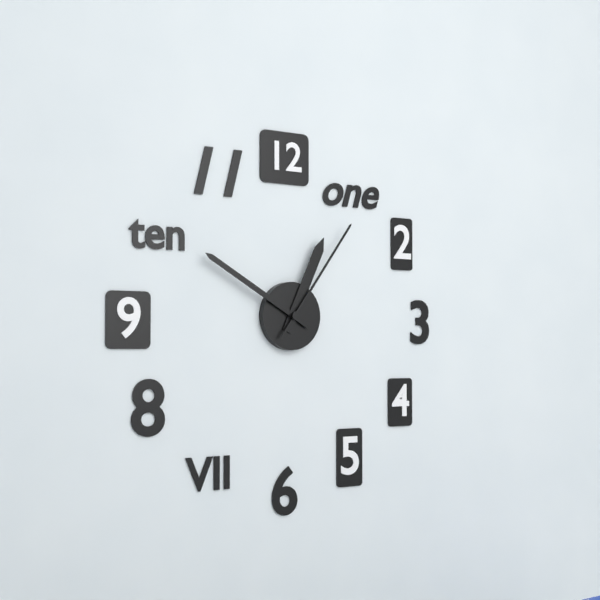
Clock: 12.50.06
